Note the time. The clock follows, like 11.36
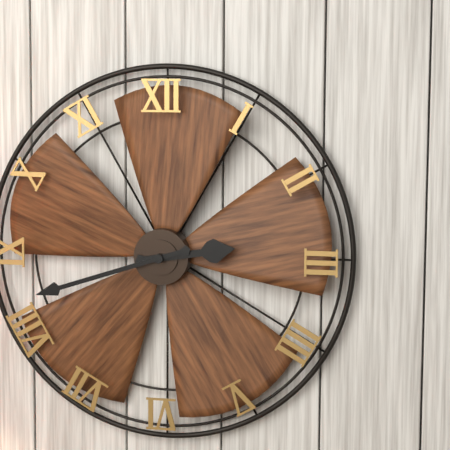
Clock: 2.42
